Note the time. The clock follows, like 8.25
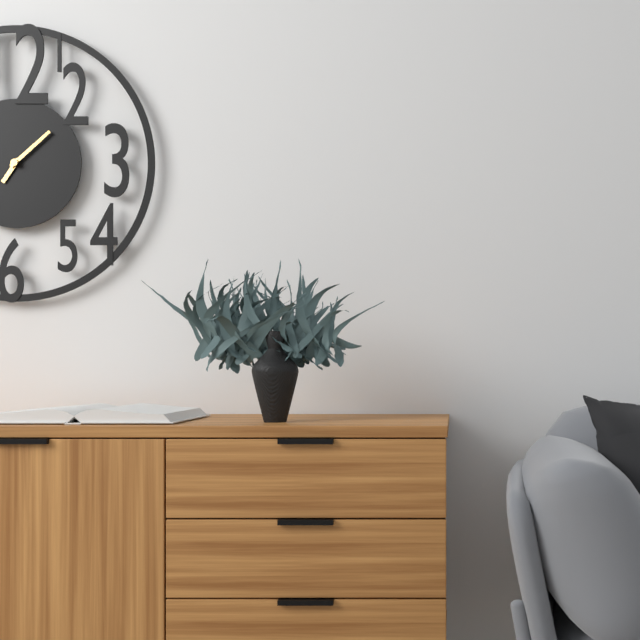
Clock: 7.08
